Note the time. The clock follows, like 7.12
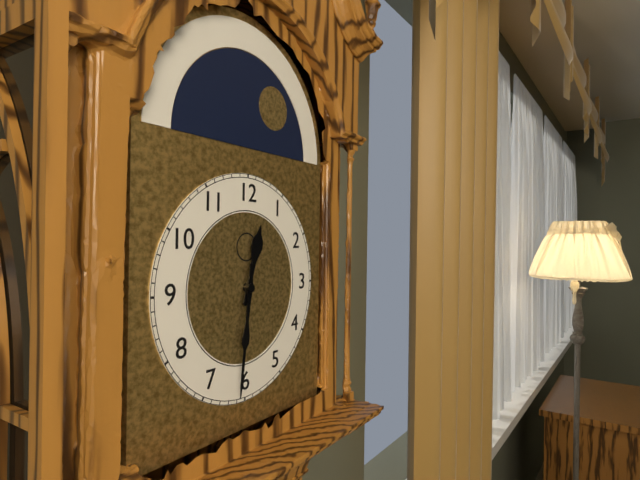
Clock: 12.31
